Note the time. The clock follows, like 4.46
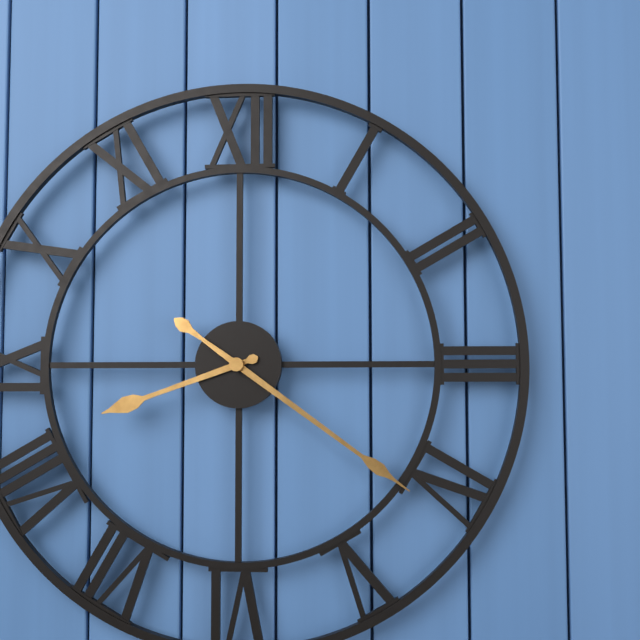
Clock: 8.21
